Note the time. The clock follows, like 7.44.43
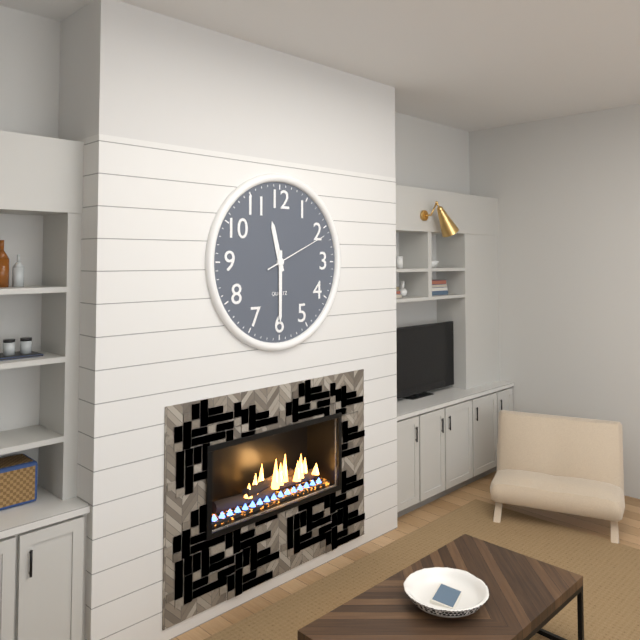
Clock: 11.30.11
